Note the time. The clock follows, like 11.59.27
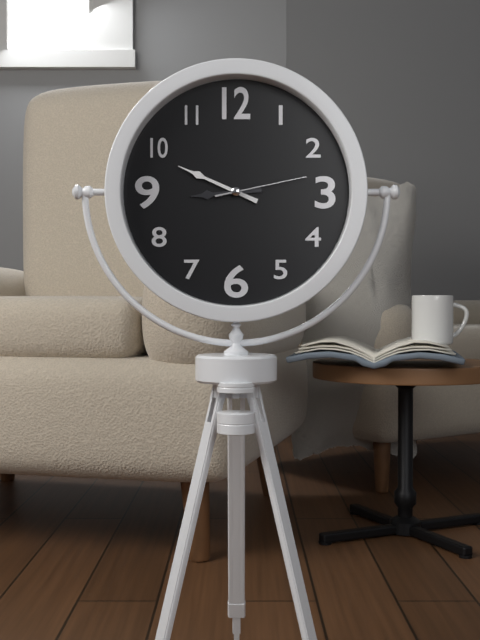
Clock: 8.49.13
